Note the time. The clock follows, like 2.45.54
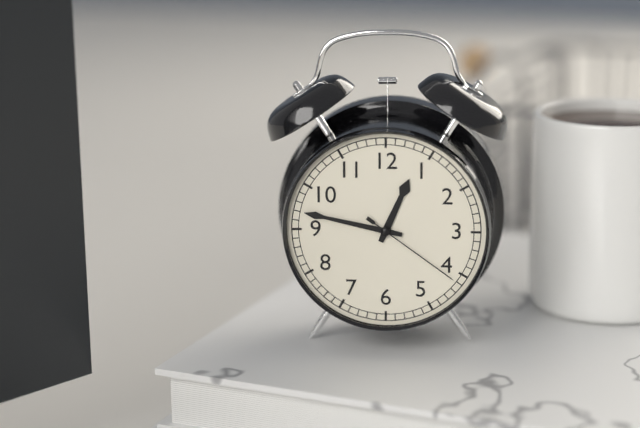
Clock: 12.47.21
